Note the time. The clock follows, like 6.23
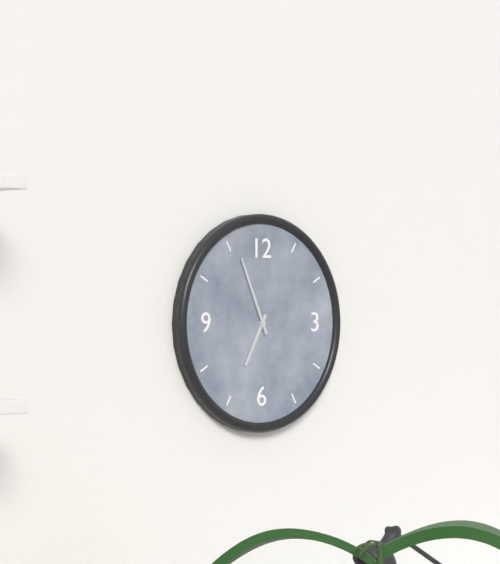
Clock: 6.56
